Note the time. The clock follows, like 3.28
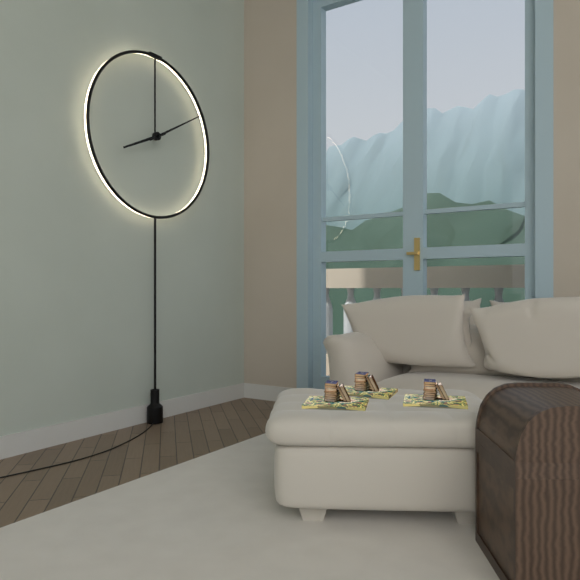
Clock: 8.10
